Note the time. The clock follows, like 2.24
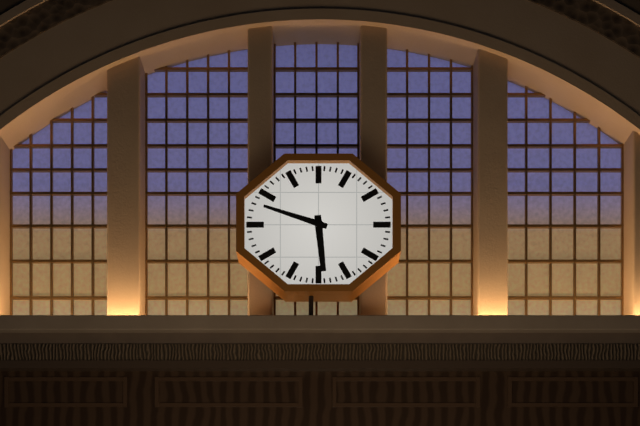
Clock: 5.48
